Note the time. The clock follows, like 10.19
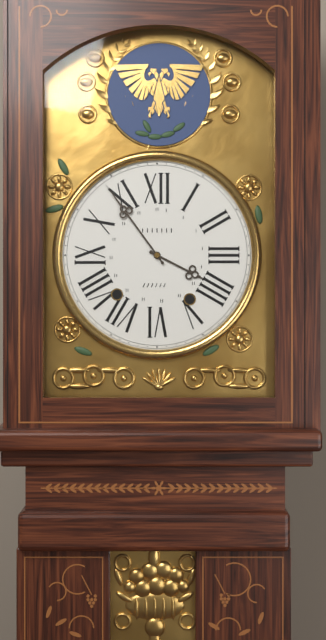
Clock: 3.54
